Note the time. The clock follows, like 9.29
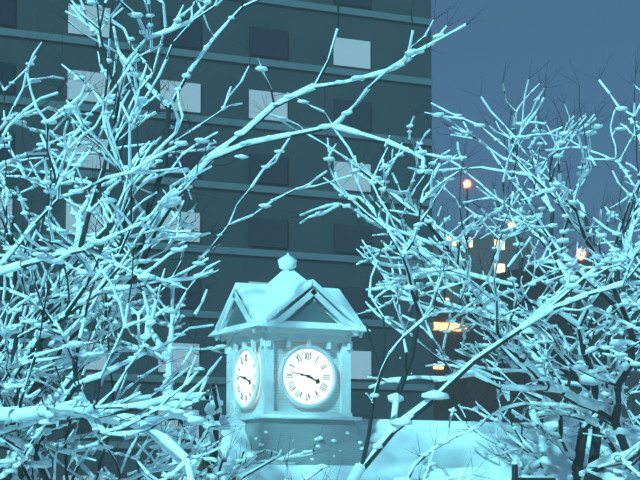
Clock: 3.47
